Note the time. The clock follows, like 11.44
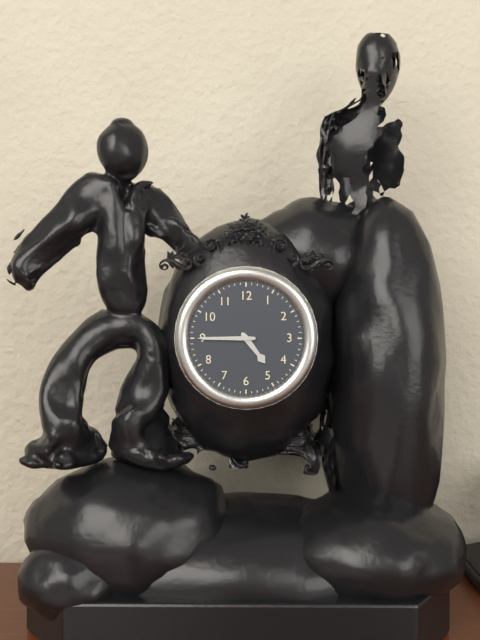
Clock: 4.45
